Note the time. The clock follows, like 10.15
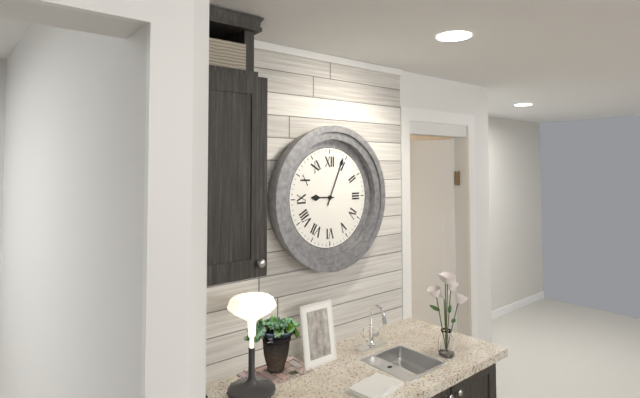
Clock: 9.04
